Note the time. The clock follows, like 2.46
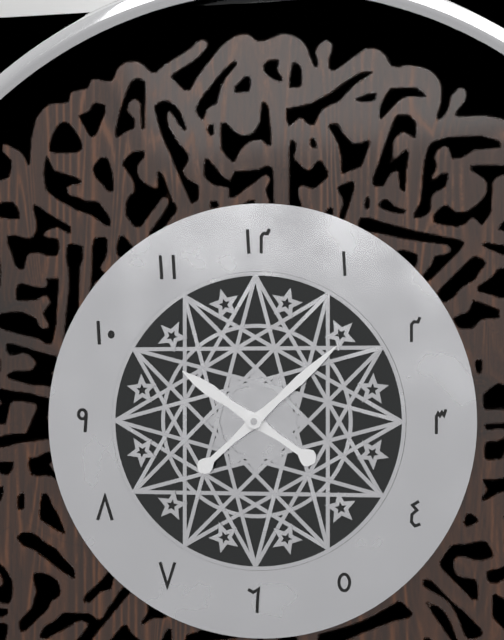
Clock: 10.08
